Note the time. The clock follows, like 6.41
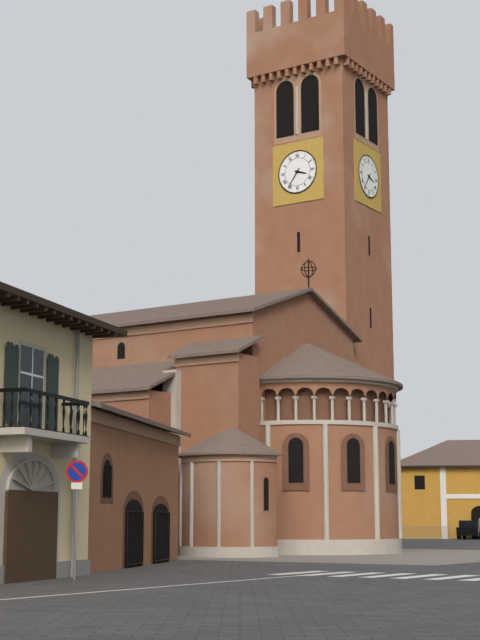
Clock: 3.36
